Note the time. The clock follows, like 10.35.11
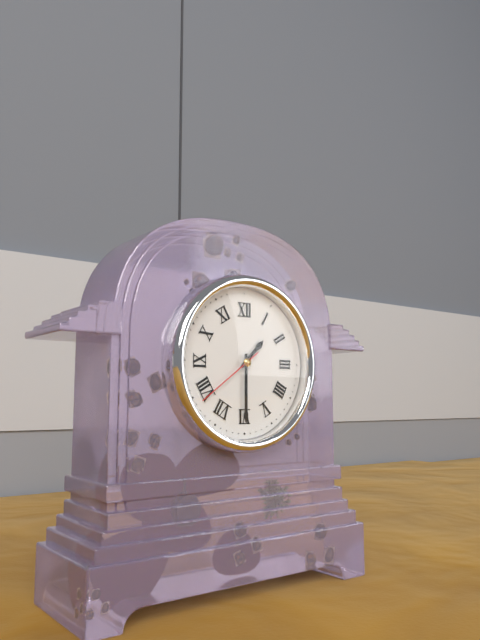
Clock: 1.30.39
